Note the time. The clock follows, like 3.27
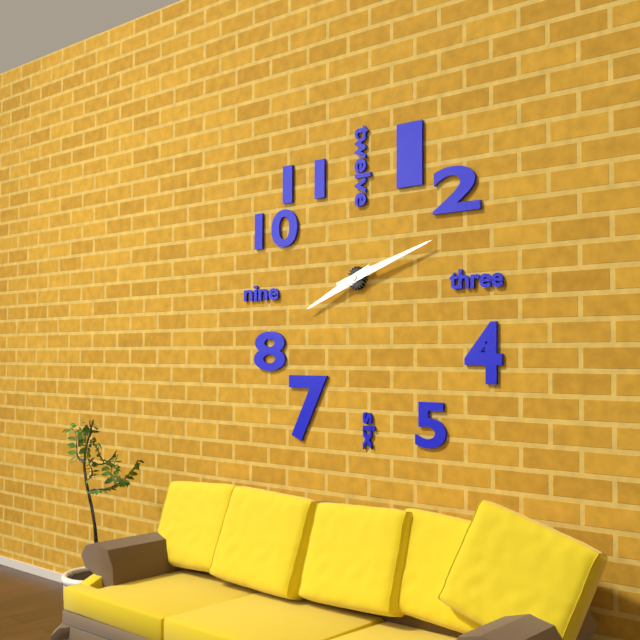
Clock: 8.12
